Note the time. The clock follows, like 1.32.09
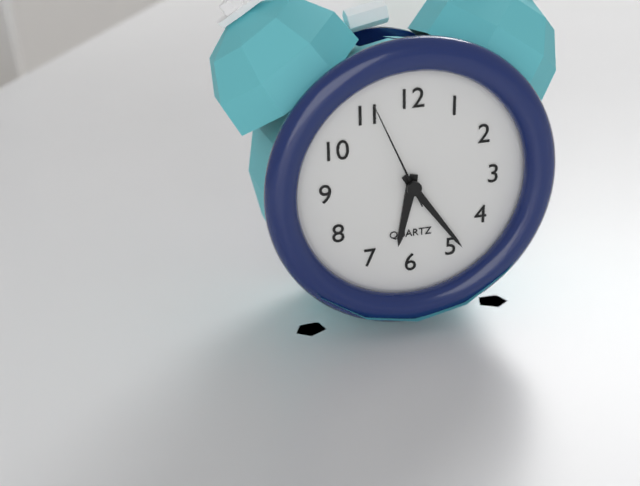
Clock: 6.24.56
